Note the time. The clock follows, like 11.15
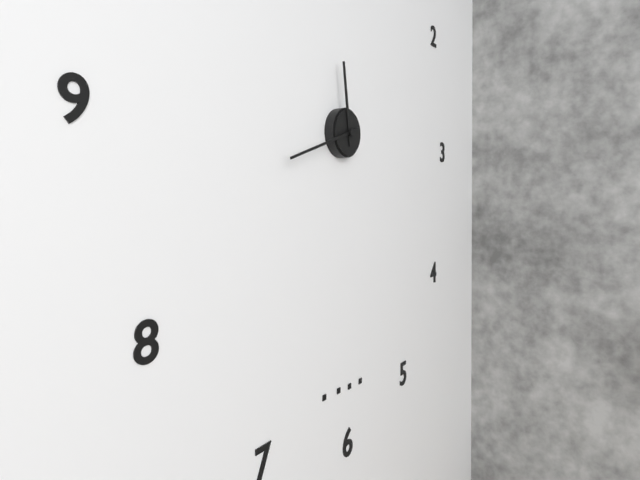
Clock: 11.42
